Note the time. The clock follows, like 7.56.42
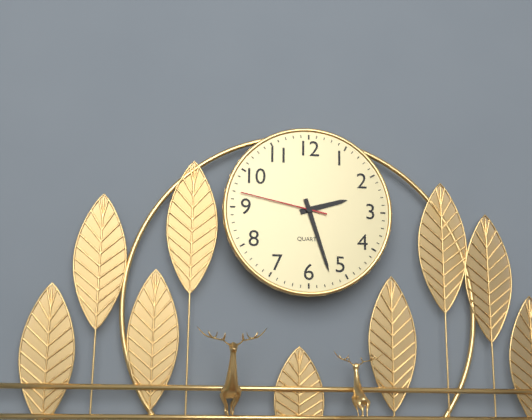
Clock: 2.27.47
